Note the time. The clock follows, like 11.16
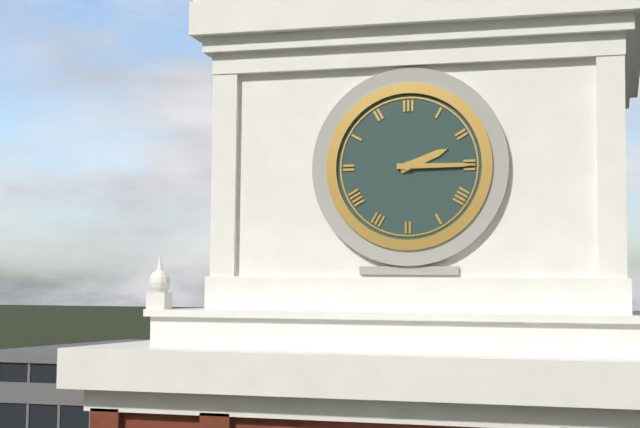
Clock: 2.15
